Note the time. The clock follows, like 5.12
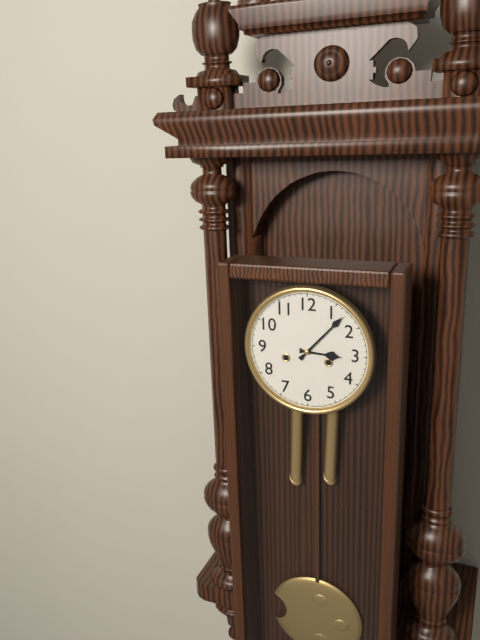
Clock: 3.07
